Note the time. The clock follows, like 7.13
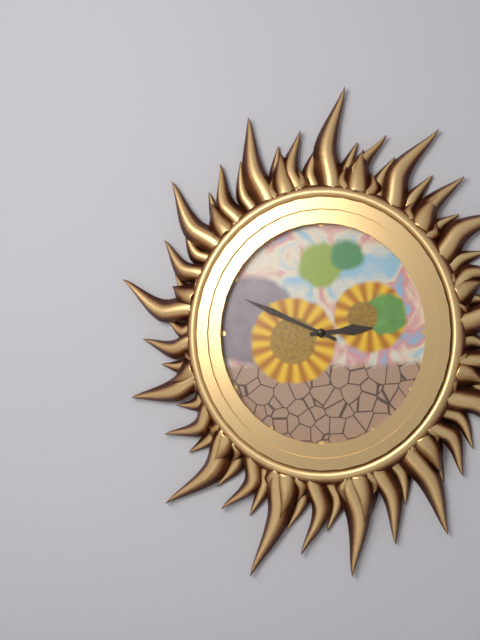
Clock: 2.49
